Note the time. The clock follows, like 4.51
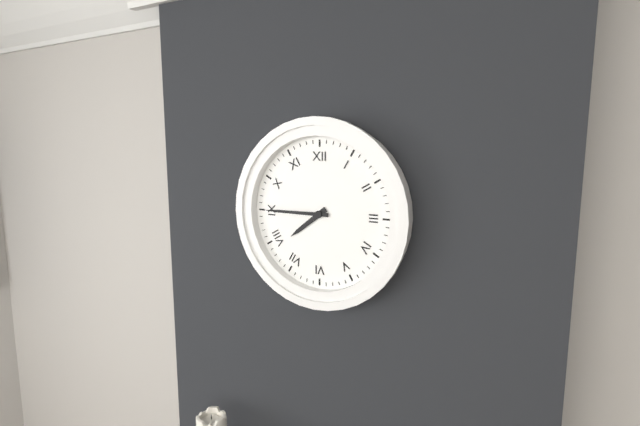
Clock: 7.45
